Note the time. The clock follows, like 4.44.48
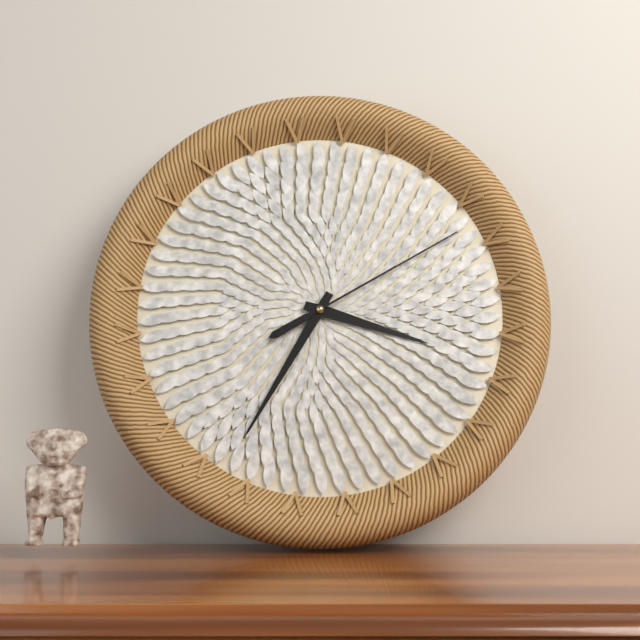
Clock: 3.35.10
